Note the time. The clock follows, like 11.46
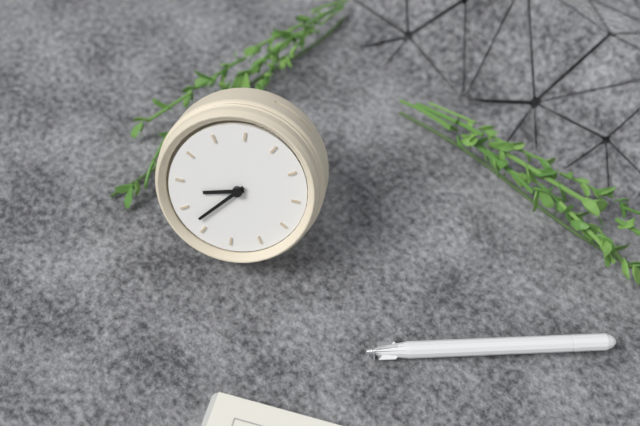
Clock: 7.32
